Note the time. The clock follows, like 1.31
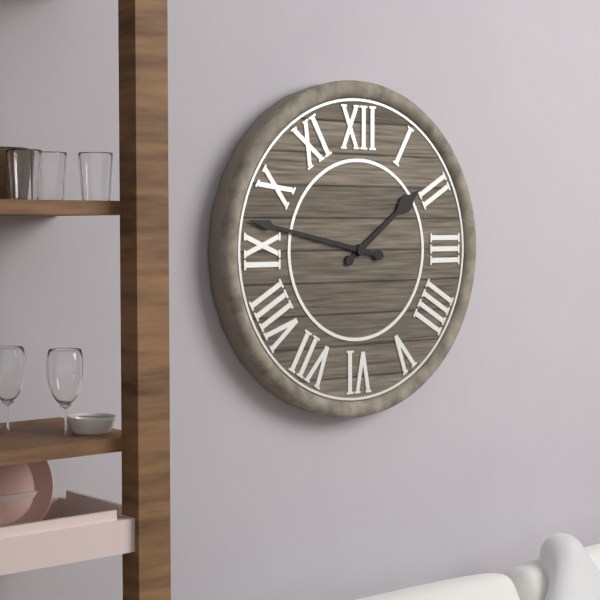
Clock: 1.47
